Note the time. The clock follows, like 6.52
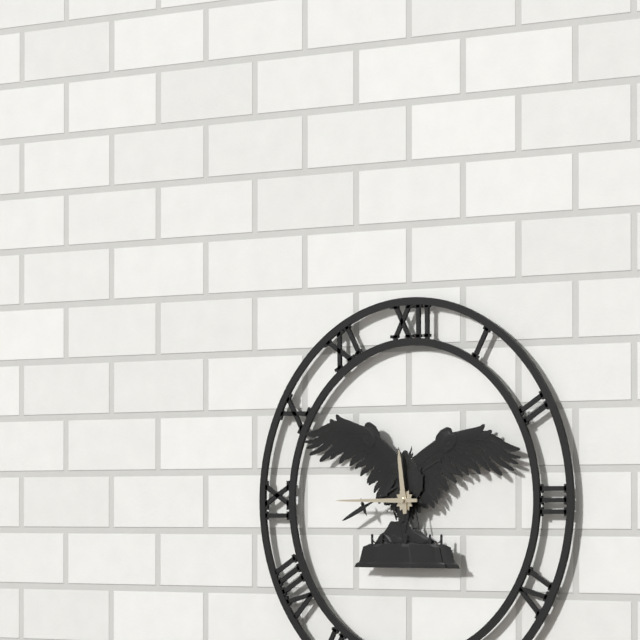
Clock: 11.45
